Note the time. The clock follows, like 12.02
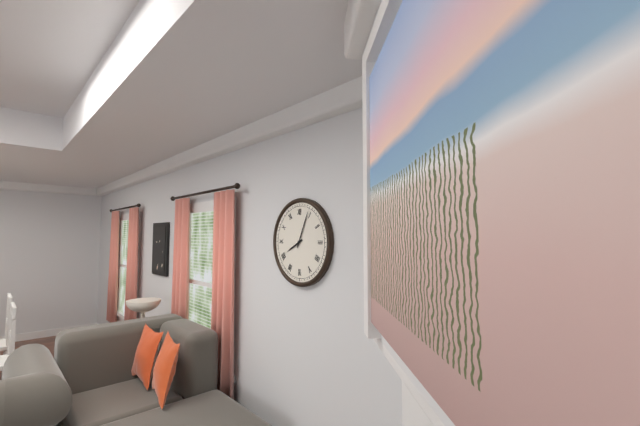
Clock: 8.04
